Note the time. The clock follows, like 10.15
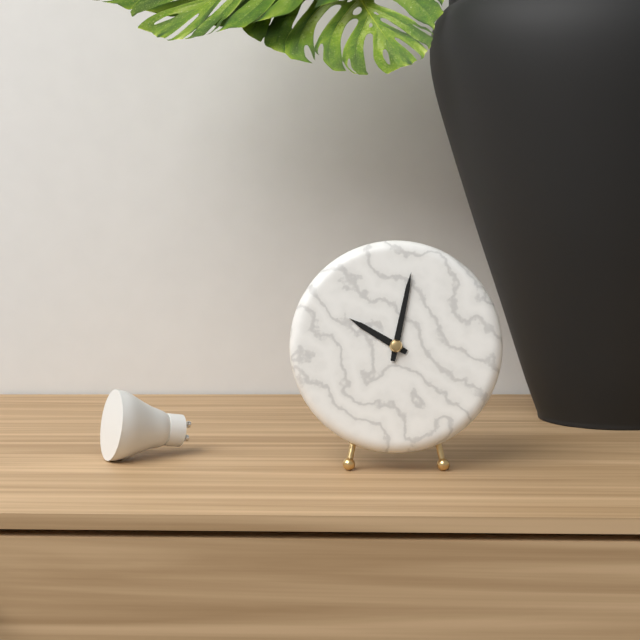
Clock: 10.02
